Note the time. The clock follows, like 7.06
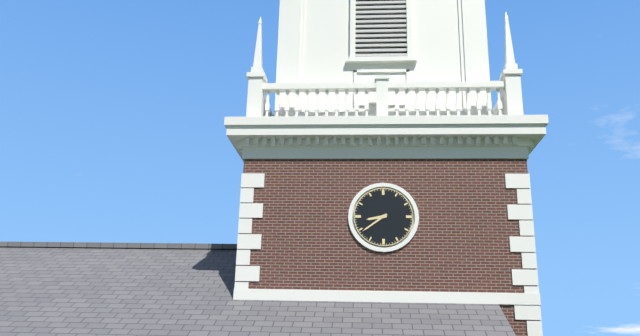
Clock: 8.39
